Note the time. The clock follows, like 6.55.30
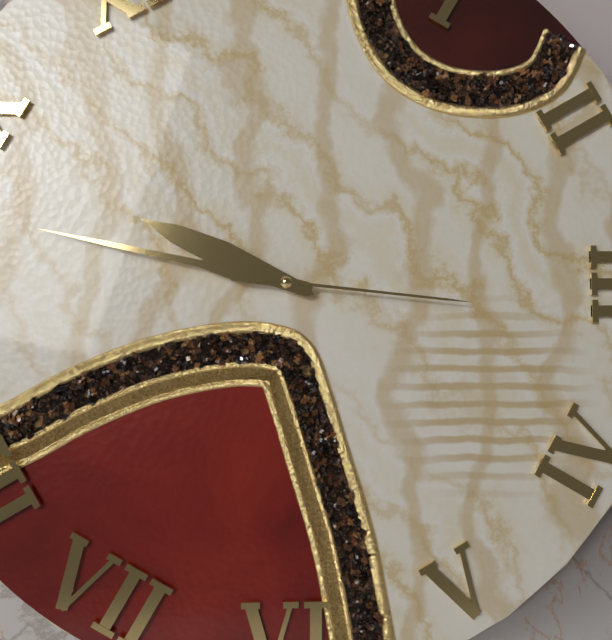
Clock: 9.47.16
